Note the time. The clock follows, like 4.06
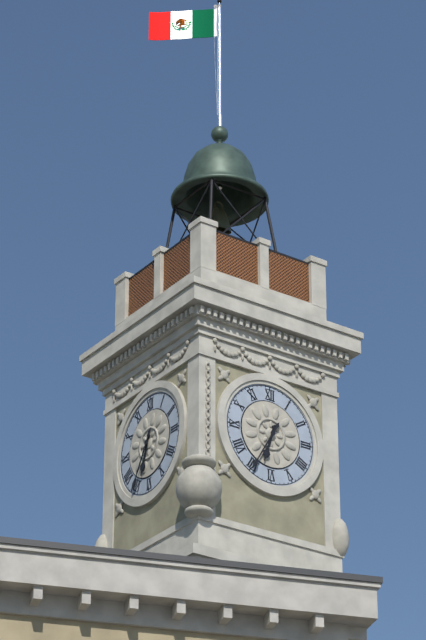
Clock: 6.35
